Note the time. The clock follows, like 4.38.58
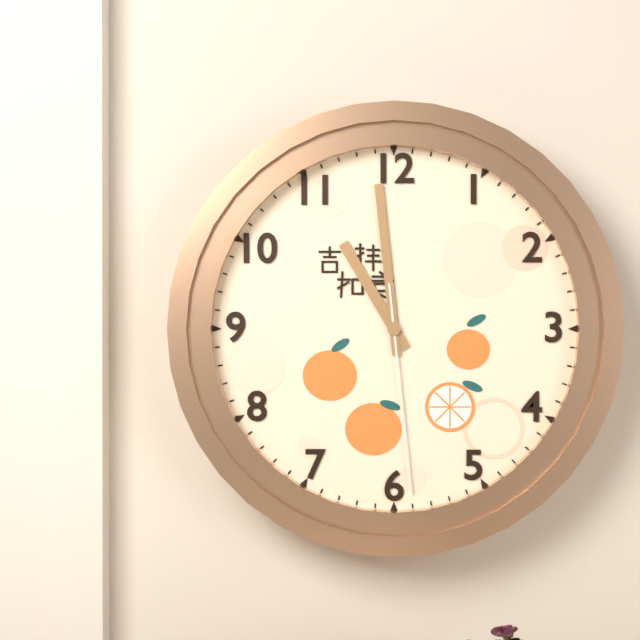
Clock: 10.59.29
